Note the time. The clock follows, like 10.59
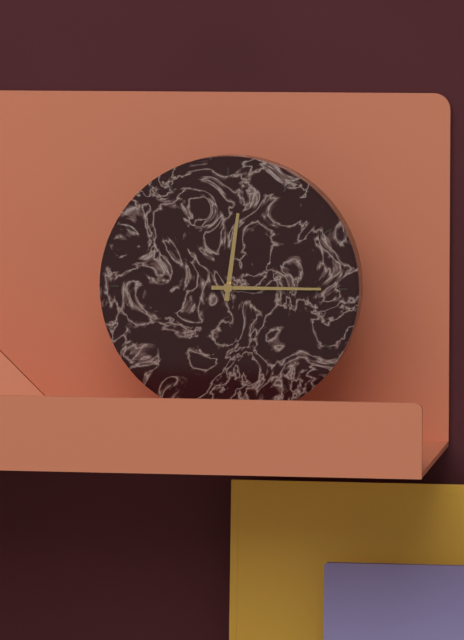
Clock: 12.15
